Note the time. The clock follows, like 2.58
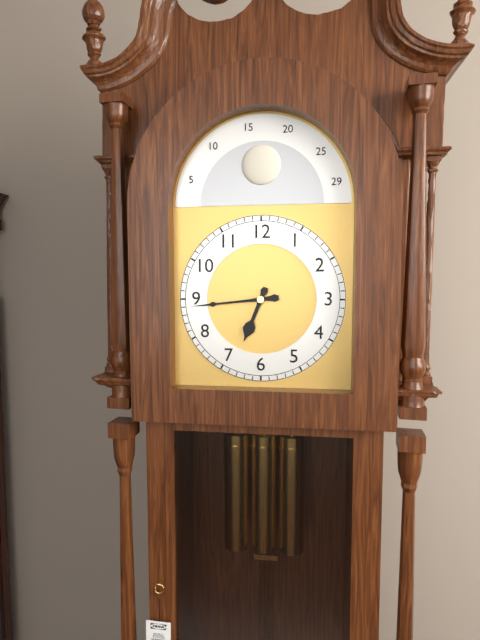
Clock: 6.44
